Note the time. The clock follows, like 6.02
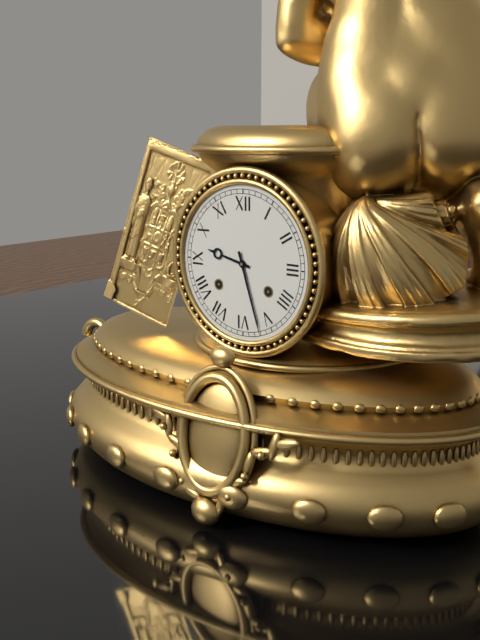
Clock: 9.27
